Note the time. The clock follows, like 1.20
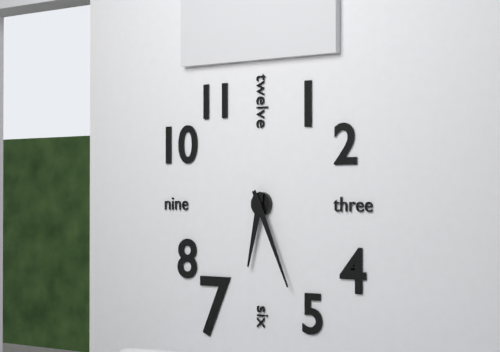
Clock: 6.26
